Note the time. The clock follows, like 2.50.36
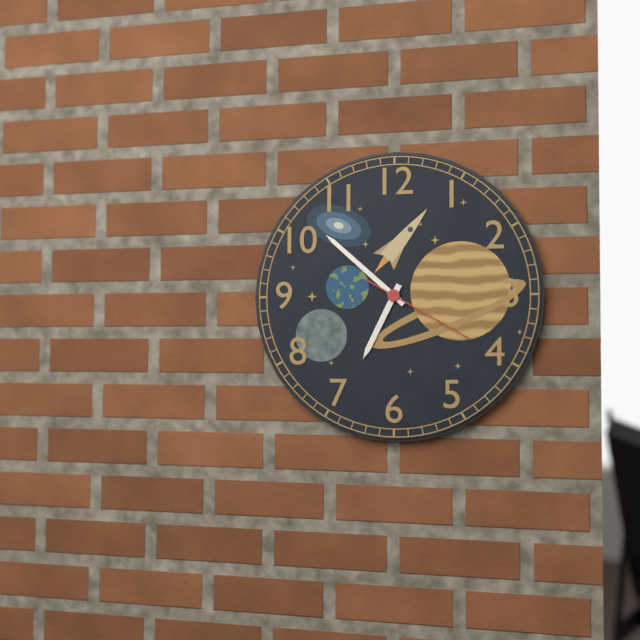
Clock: 6.52.20
